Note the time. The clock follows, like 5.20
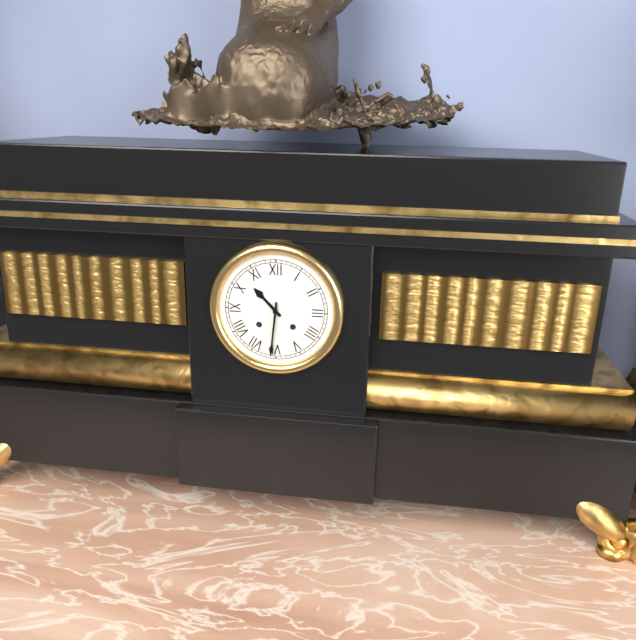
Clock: 10.31
